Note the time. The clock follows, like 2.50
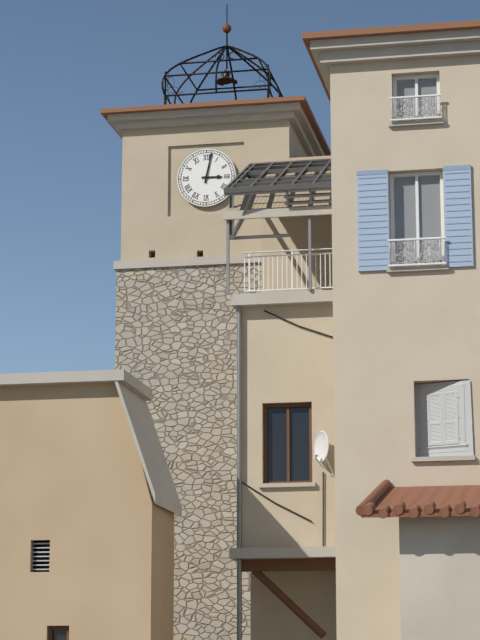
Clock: 3.02
